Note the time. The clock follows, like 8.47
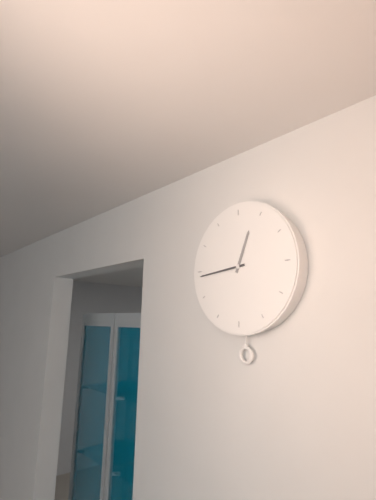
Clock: 12.44
